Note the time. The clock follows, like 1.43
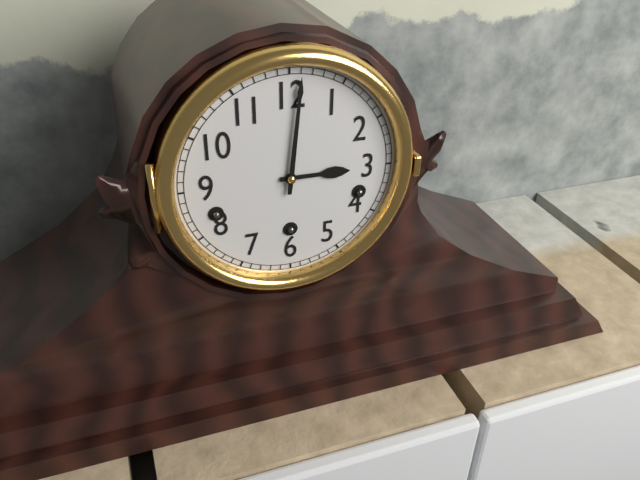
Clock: 3.01
